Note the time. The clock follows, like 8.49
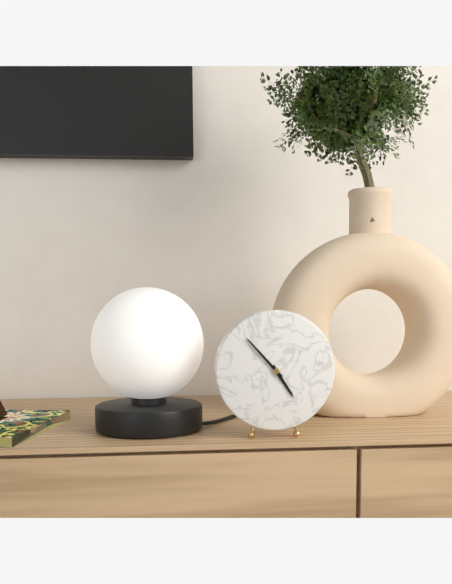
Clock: 4.53
